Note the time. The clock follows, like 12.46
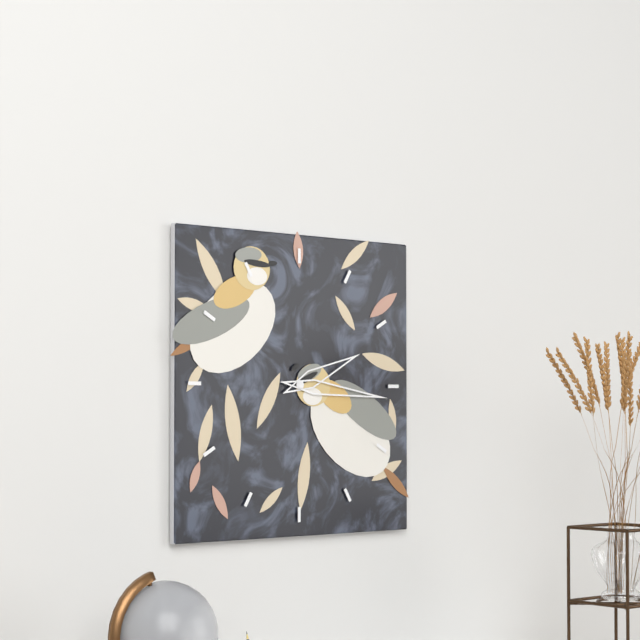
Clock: 2.16
